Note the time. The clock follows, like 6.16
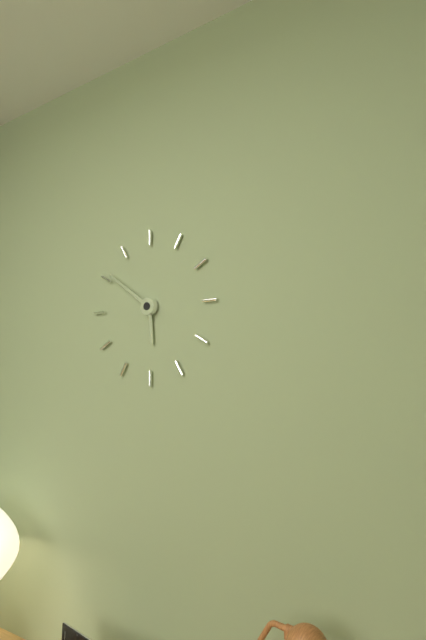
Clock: 5.51
